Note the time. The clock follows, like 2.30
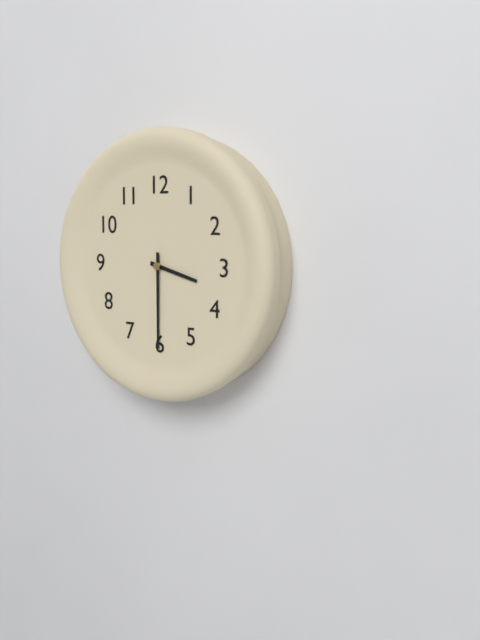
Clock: 3.30
